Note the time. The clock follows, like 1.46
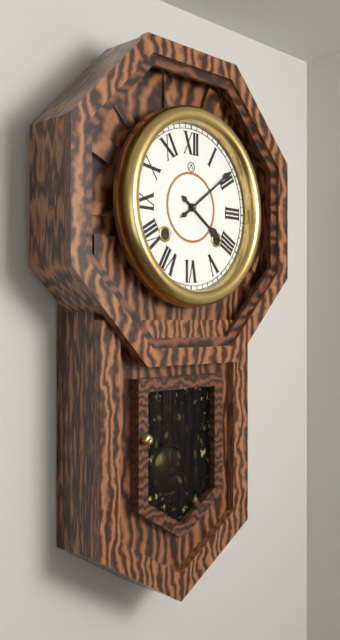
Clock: 4.09
